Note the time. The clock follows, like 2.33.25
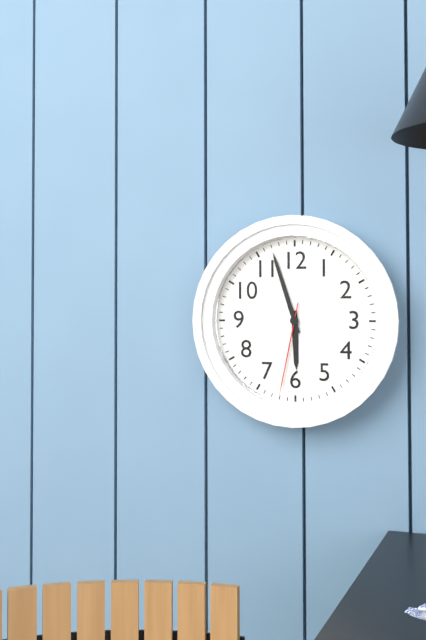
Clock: 5.57.32
